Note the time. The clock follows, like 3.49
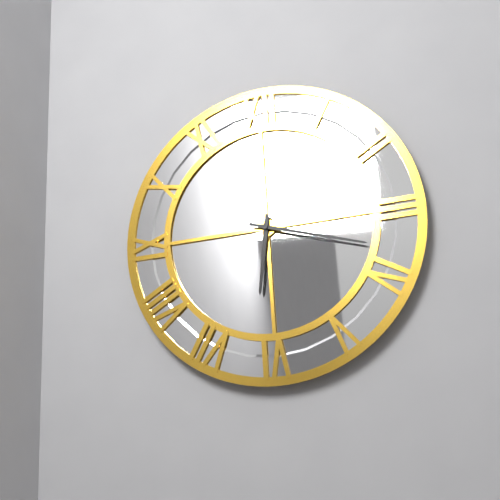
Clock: 6.18
